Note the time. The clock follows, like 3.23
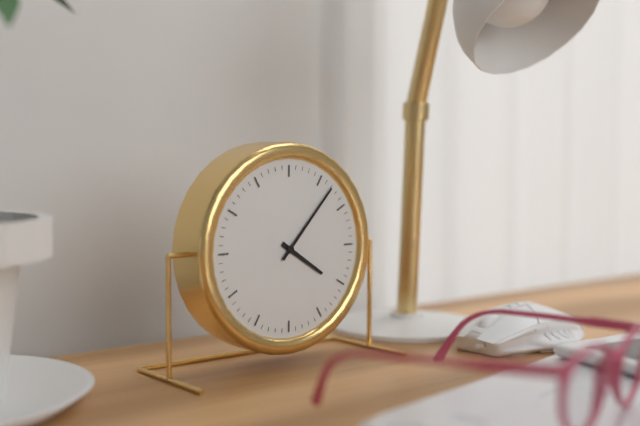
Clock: 4.07
